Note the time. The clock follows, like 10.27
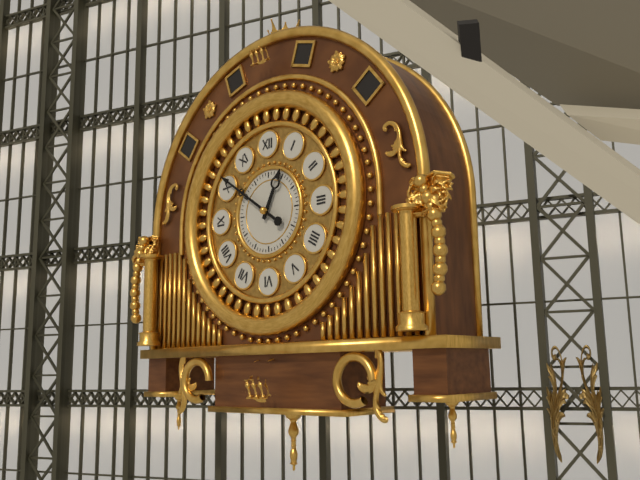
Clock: 12.51
